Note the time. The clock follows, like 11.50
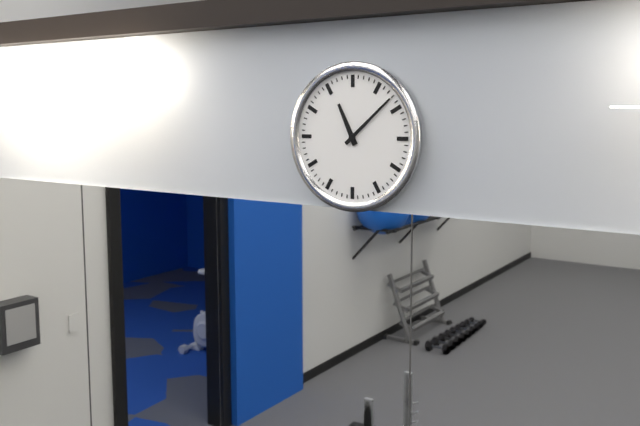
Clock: 11.08
